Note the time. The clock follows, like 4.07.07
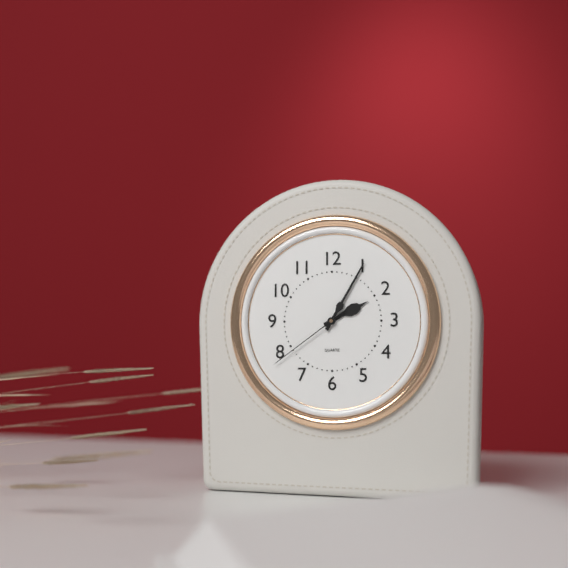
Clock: 2.05.39
